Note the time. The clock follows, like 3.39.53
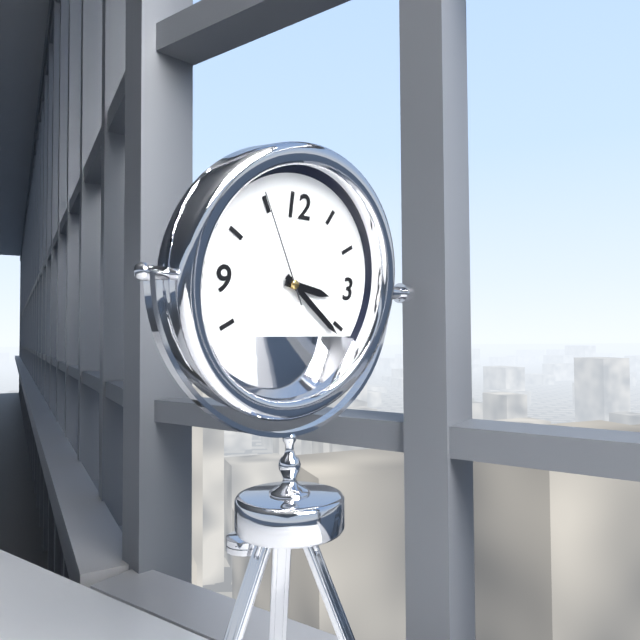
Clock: 3.21.55
